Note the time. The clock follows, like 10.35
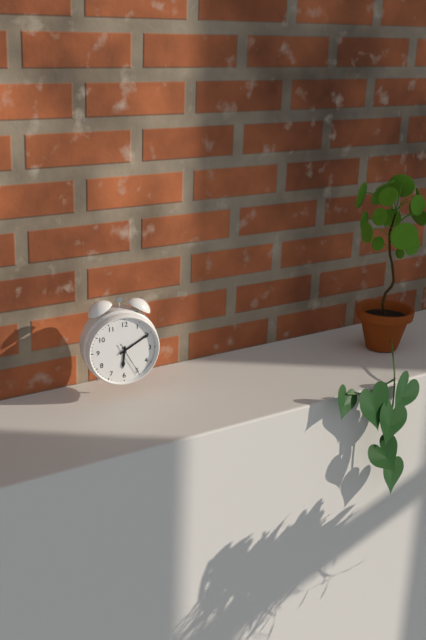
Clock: 6.10
